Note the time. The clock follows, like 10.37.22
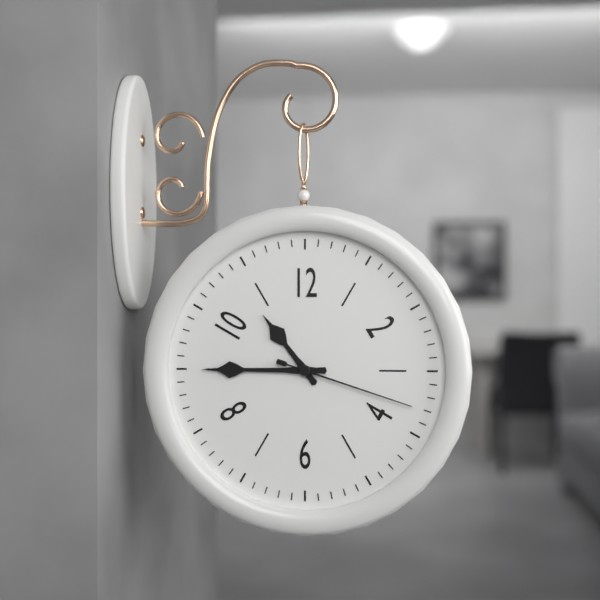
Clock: 10.45.18
